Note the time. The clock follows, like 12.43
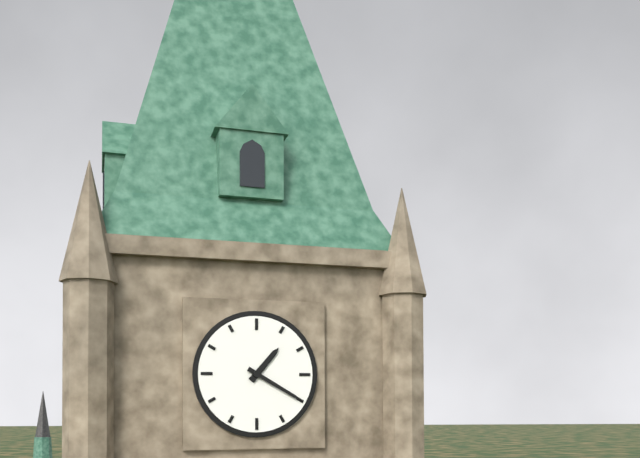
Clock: 1.20
